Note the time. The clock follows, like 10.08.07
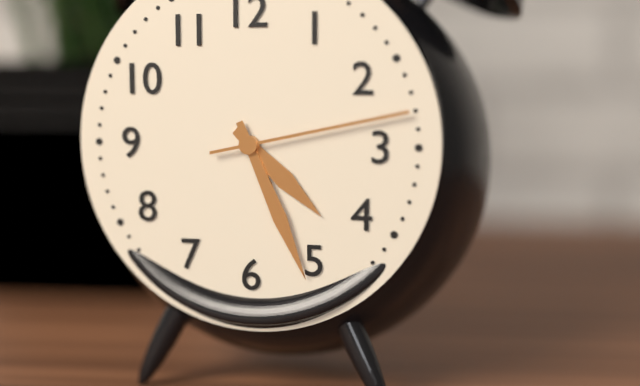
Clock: 4.26.13
